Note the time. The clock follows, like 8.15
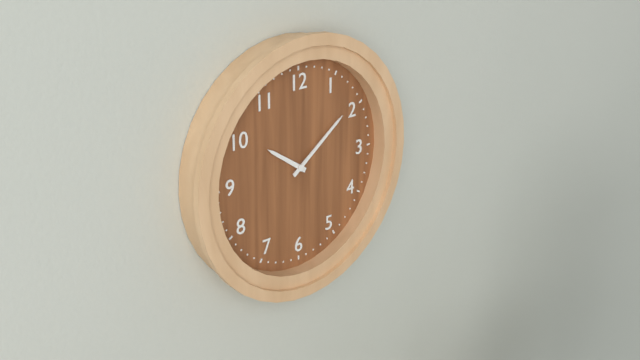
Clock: 10.09
